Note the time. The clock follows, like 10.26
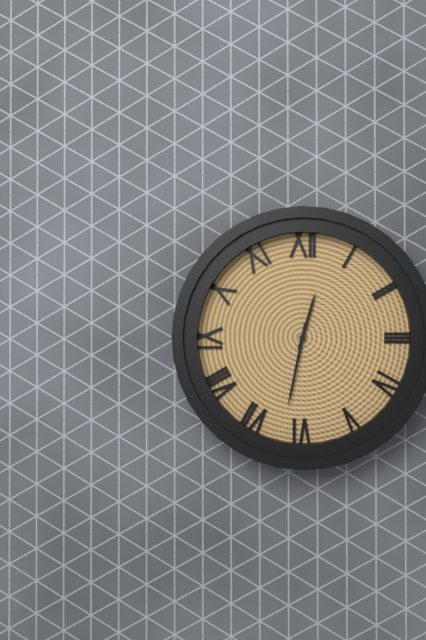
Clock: 12.32
